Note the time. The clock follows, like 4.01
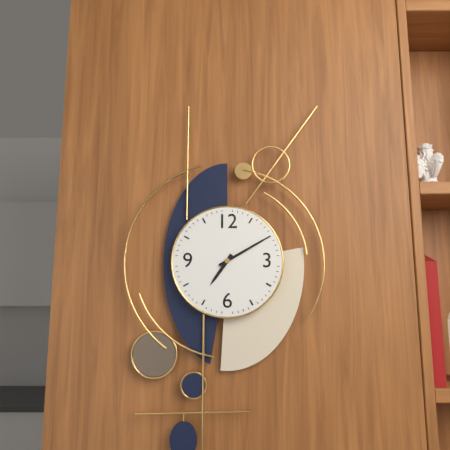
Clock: 7.10
